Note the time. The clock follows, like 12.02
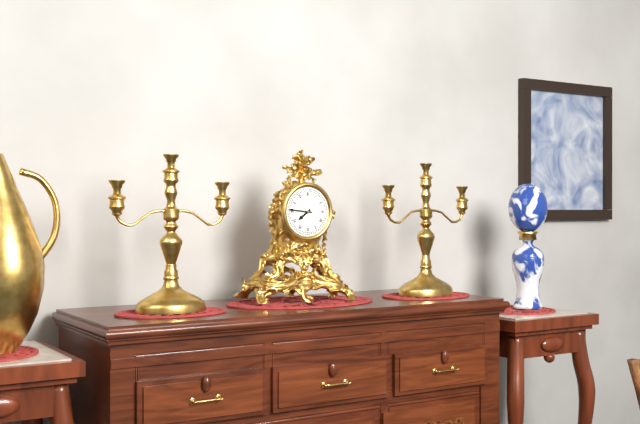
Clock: 7.46
